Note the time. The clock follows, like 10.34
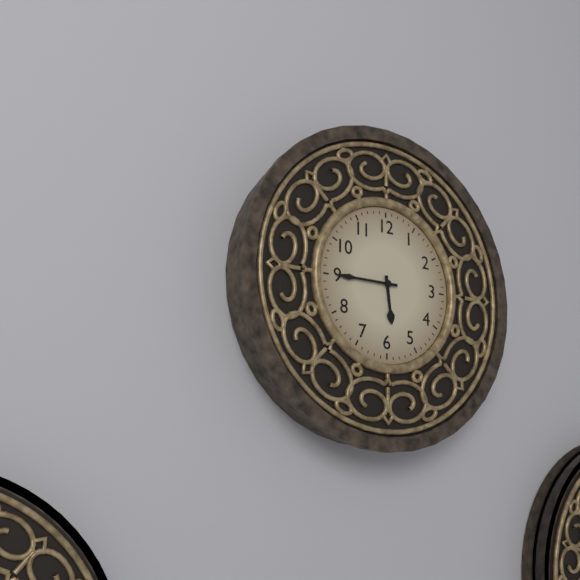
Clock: 5.45
